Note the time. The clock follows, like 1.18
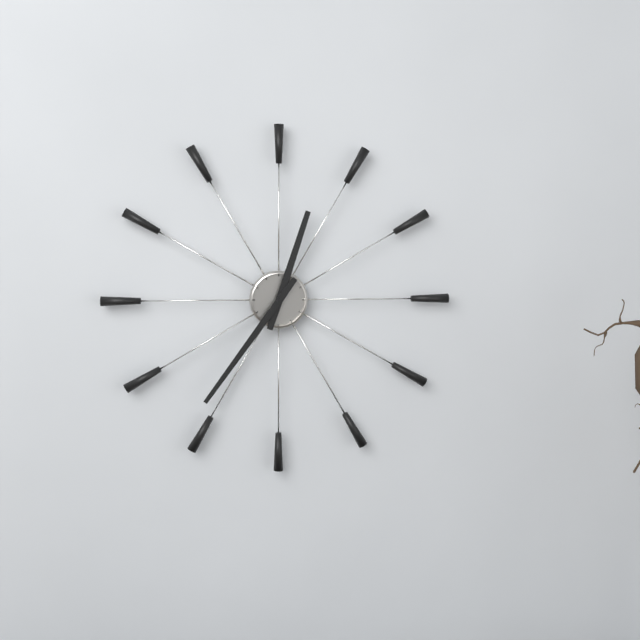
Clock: 12.36
